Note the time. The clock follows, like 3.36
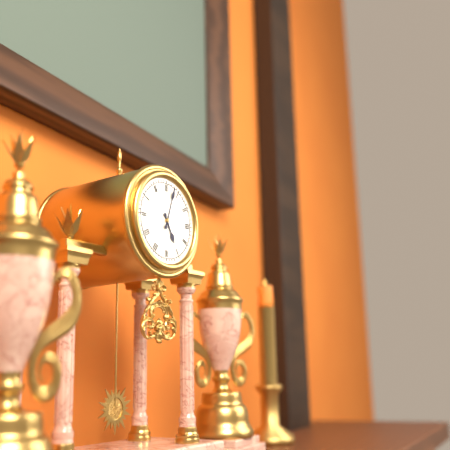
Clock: 5.03
